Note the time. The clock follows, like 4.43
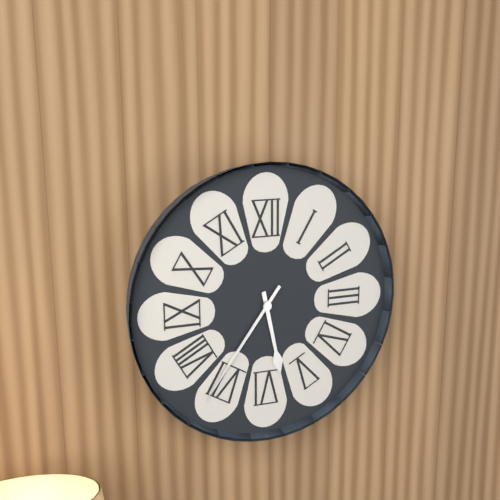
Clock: 5.36
